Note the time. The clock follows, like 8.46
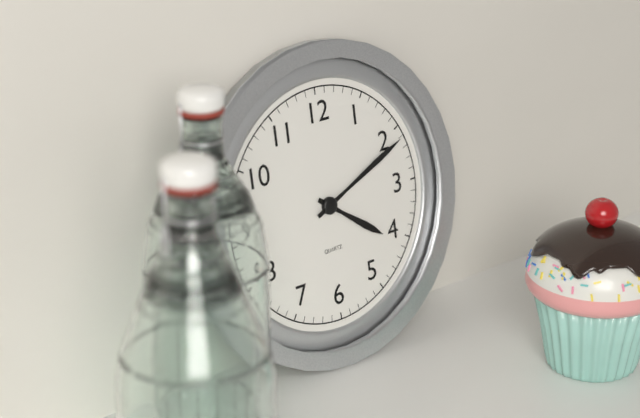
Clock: 4.11
